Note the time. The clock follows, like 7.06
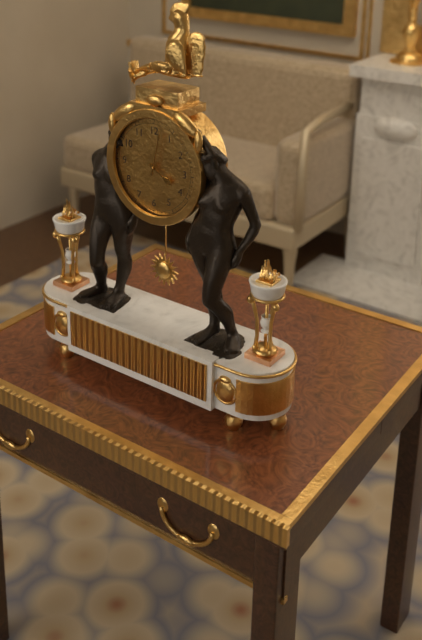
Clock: 4.02
